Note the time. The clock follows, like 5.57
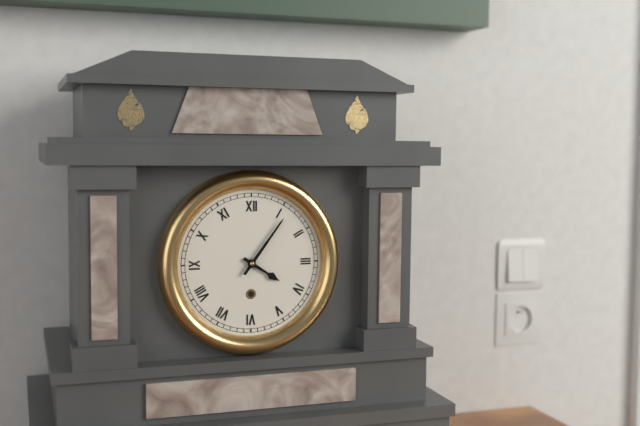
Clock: 4.06
